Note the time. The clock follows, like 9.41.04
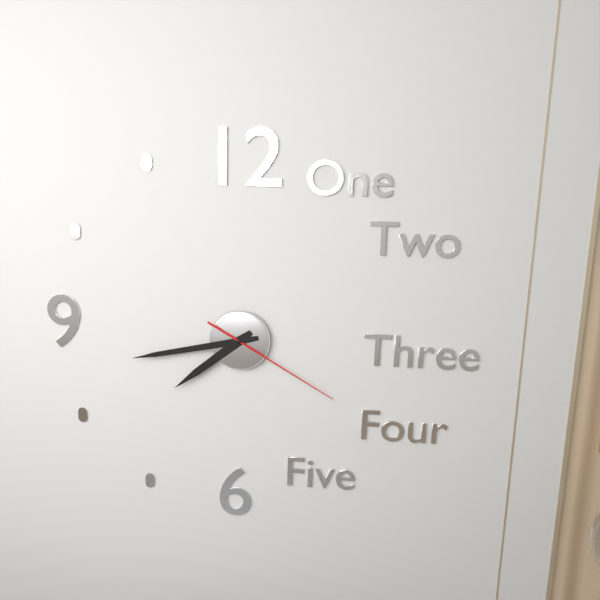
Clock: 7.43.20
